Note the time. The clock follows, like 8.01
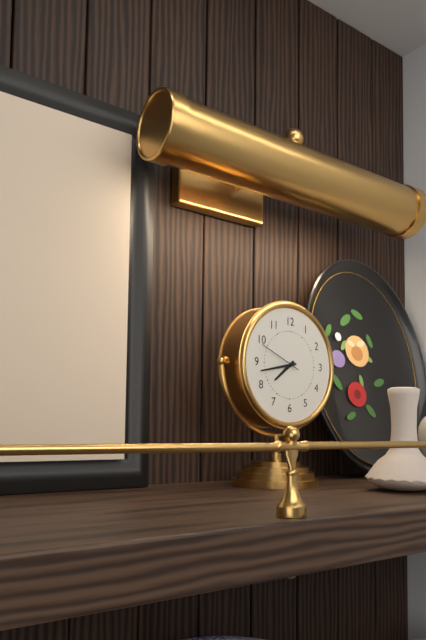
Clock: 7.43
